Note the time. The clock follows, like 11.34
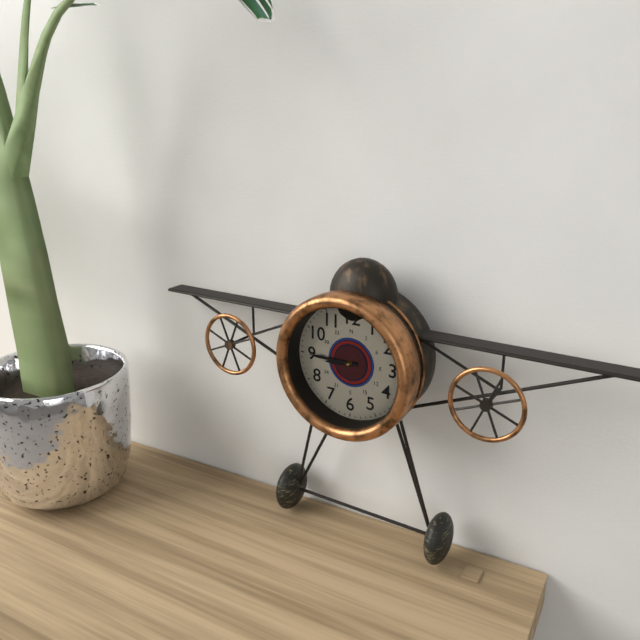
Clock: 8.45
